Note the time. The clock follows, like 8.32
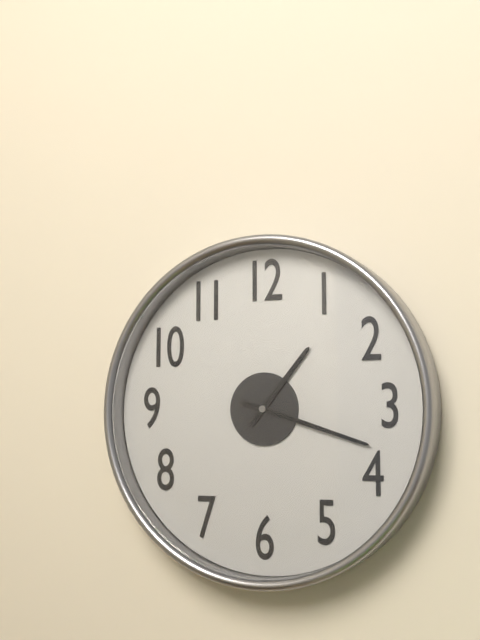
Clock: 1.18
